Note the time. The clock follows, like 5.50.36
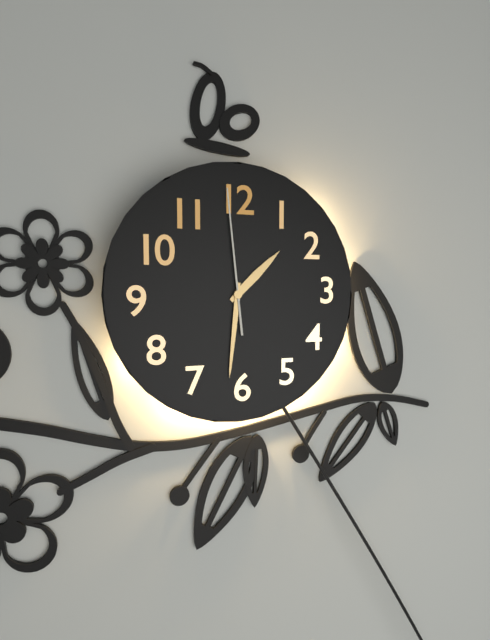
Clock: 1.31.59
